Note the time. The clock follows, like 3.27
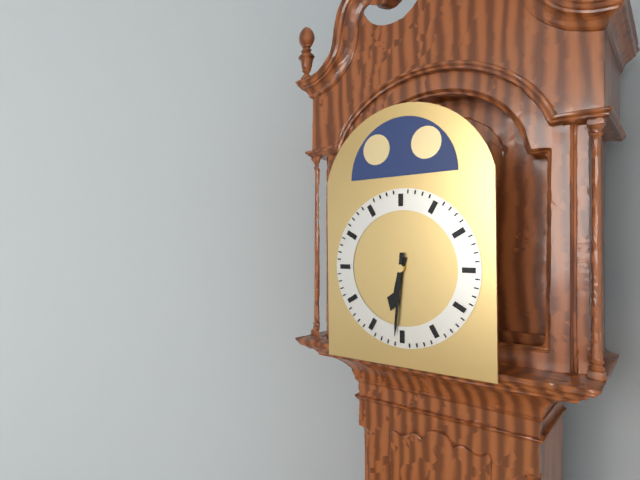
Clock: 6.31
